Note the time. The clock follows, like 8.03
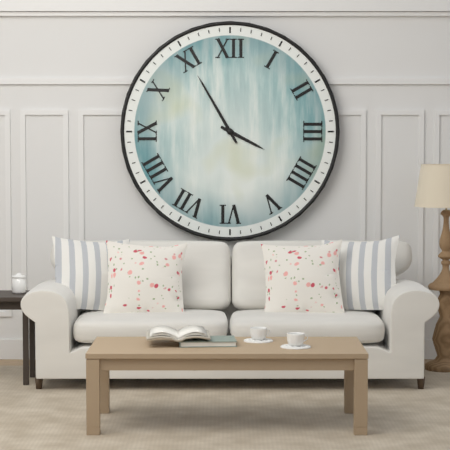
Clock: 3.55
